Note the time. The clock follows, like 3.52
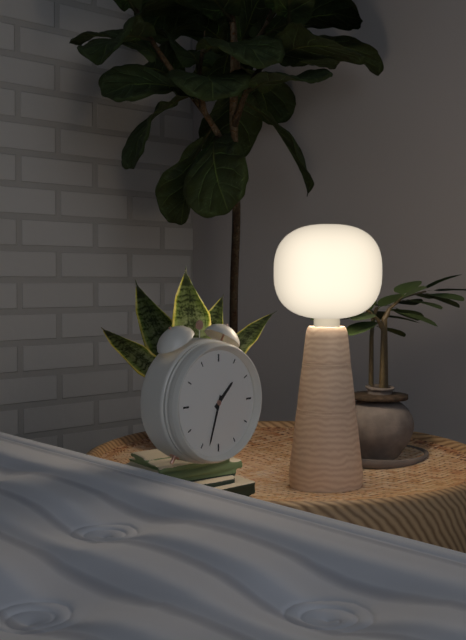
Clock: 1.33
